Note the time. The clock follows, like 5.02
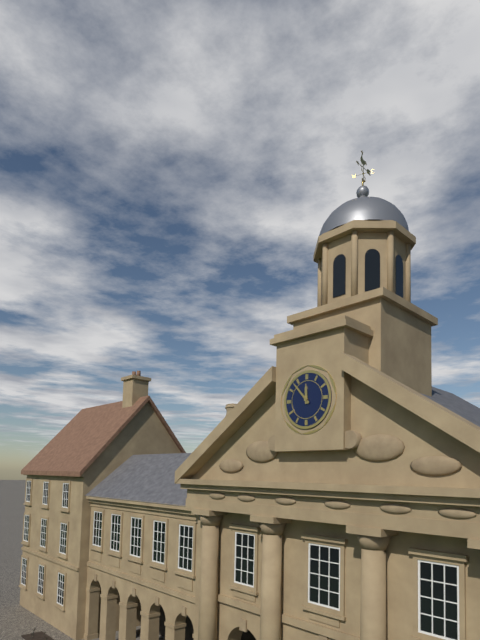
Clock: 11.53
